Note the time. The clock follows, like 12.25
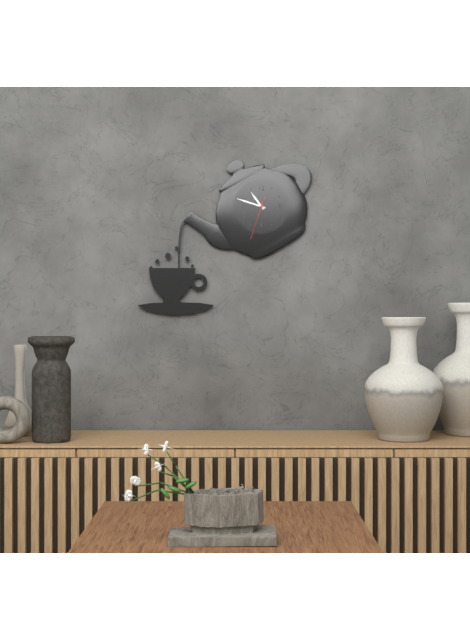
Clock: 10.48
